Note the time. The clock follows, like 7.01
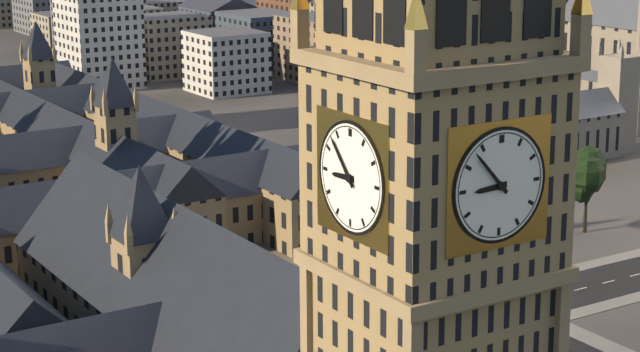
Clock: 8.53
